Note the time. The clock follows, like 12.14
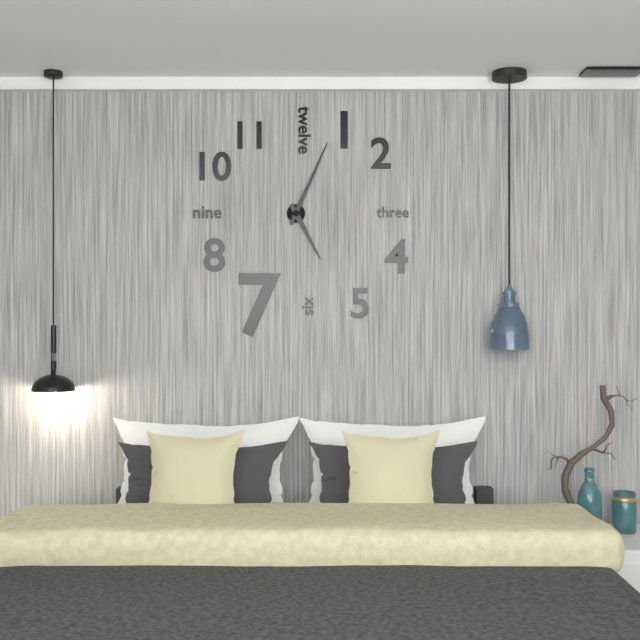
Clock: 5.04
